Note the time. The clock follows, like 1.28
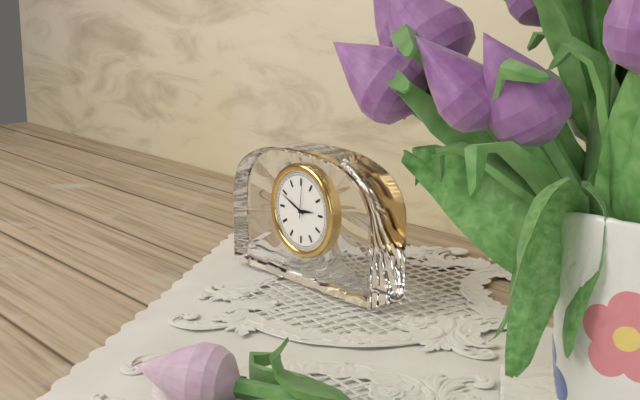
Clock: 2.49
